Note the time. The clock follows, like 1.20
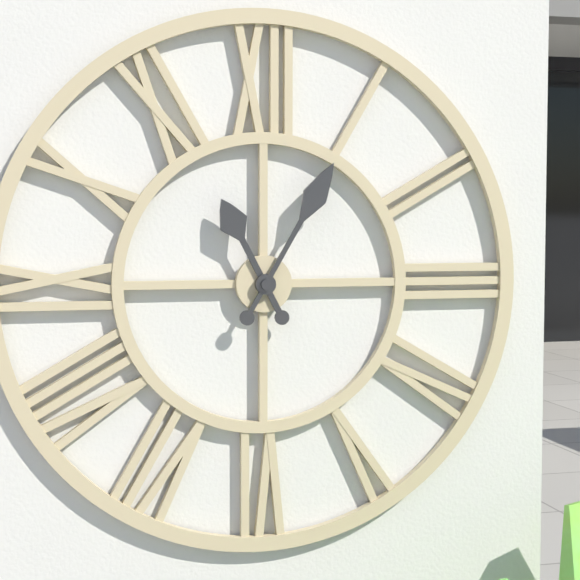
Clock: 11.05
